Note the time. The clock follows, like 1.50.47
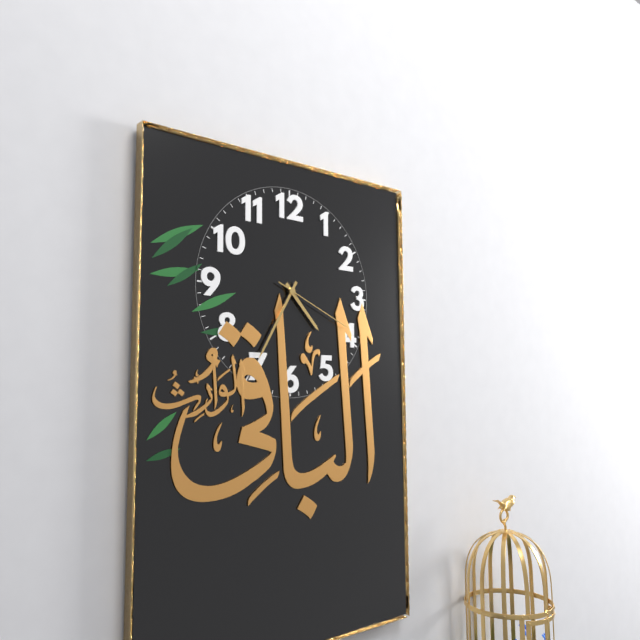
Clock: 4.35.19
